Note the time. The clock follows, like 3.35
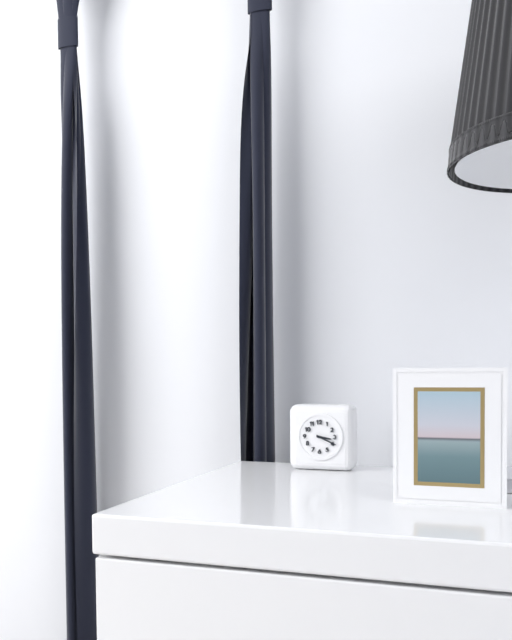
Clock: 3.19
